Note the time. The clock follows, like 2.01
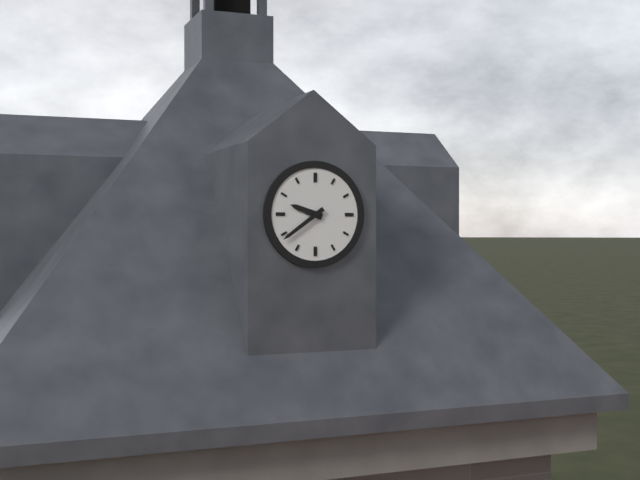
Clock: 9.39
